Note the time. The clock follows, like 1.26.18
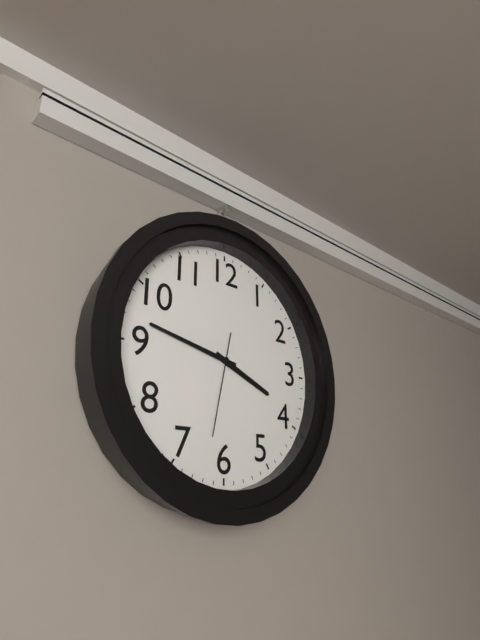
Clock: 3.47.32
